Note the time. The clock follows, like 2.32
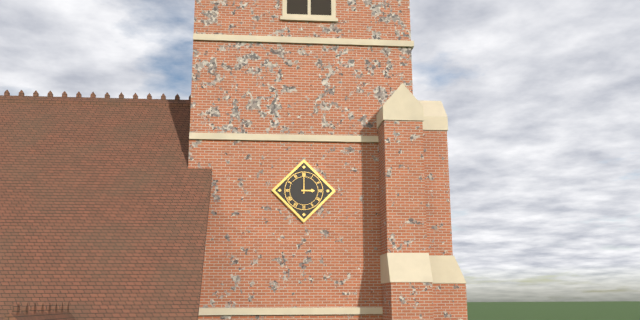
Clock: 3.00
